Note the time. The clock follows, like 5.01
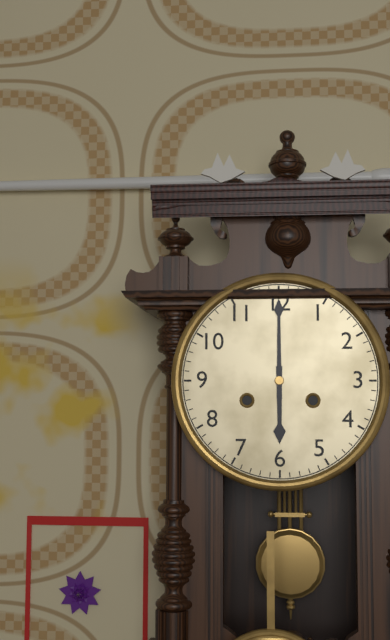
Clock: 6.00
